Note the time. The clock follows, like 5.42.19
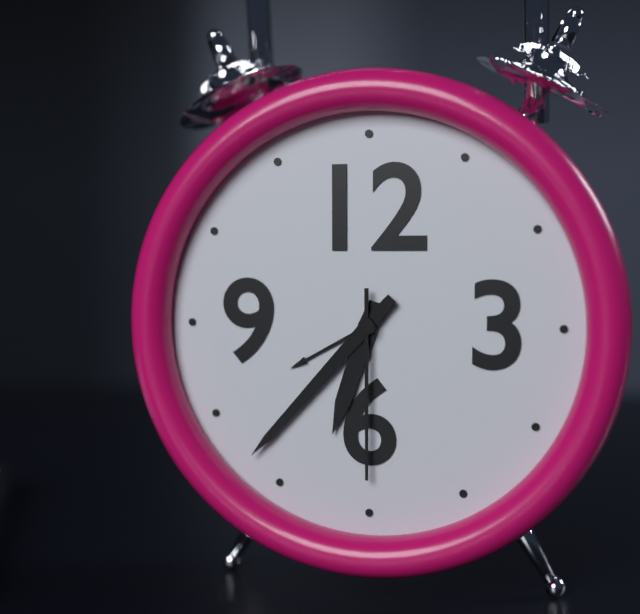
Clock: 6.37.30
